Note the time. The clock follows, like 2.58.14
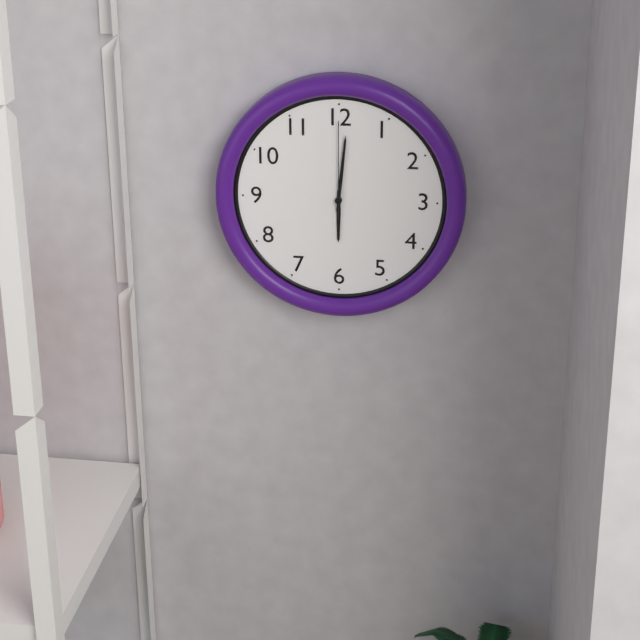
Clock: 6.01.00
